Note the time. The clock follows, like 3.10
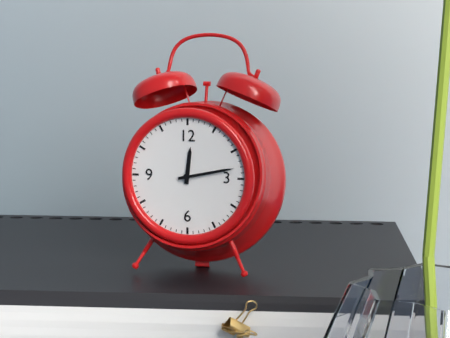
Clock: 12.13
